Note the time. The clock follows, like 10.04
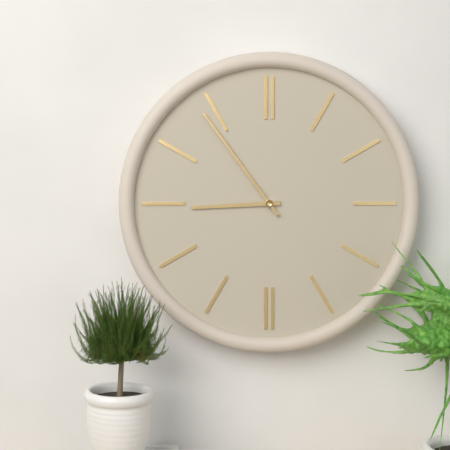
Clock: 8.54
